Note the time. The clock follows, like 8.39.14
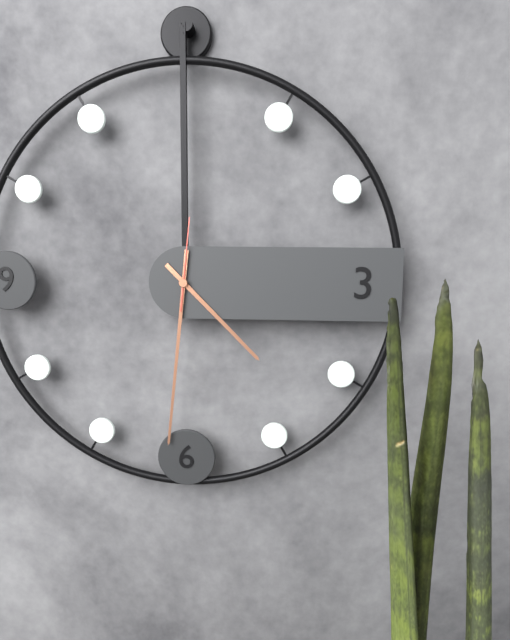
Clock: 4.31.01
